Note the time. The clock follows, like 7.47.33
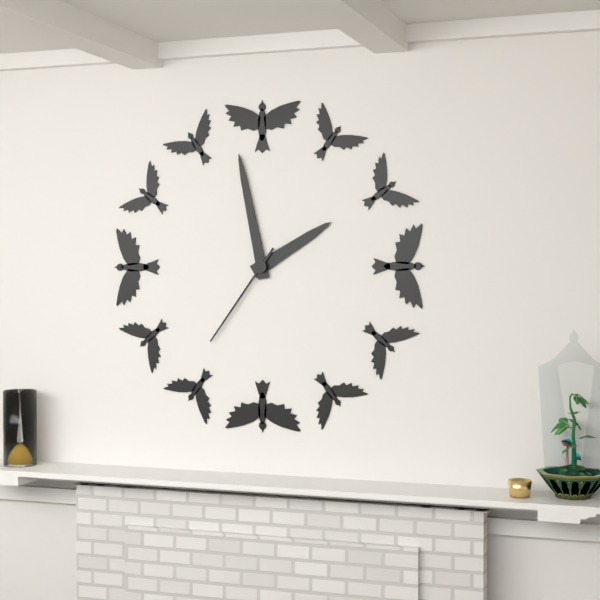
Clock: 1.58.36
